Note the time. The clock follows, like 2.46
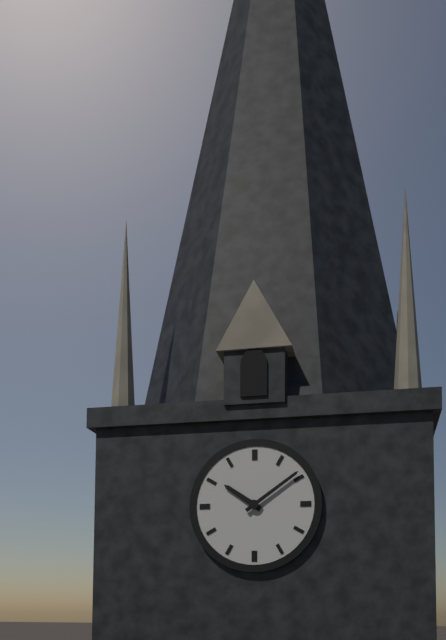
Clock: 10.09
